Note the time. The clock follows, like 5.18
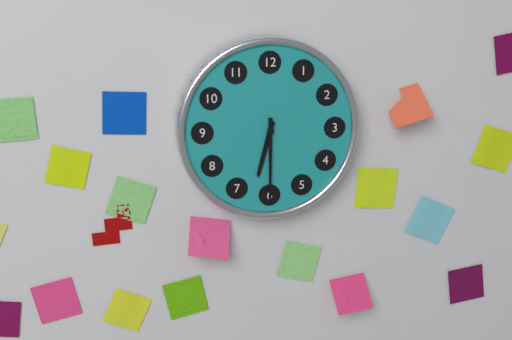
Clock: 6.30
